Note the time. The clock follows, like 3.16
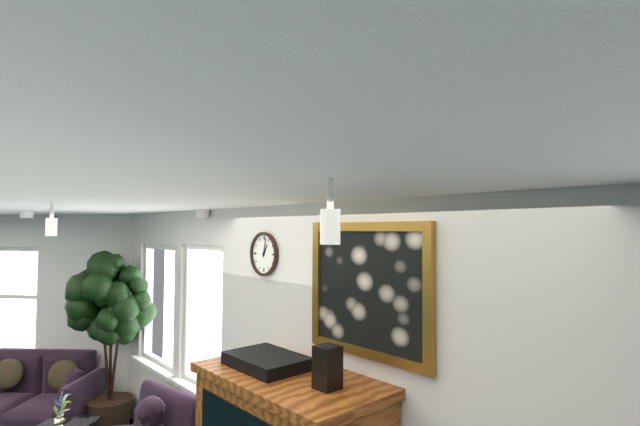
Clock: 1.02
